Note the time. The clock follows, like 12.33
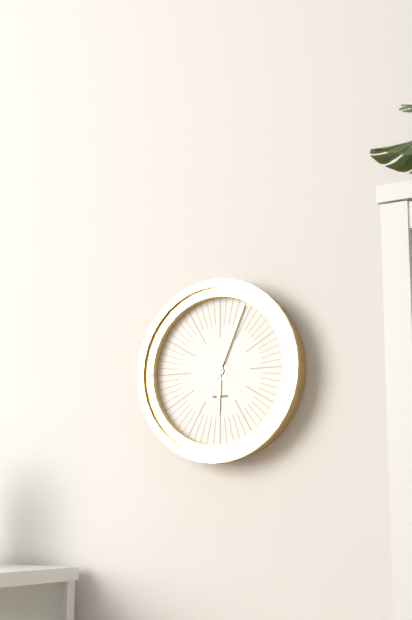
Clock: 6.04
